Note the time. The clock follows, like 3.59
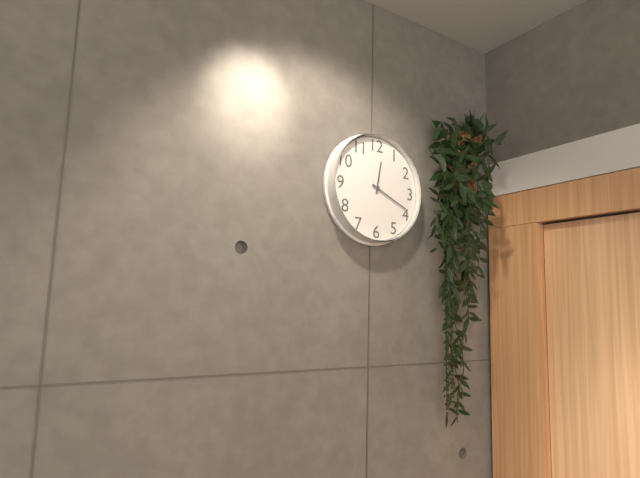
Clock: 12.19
